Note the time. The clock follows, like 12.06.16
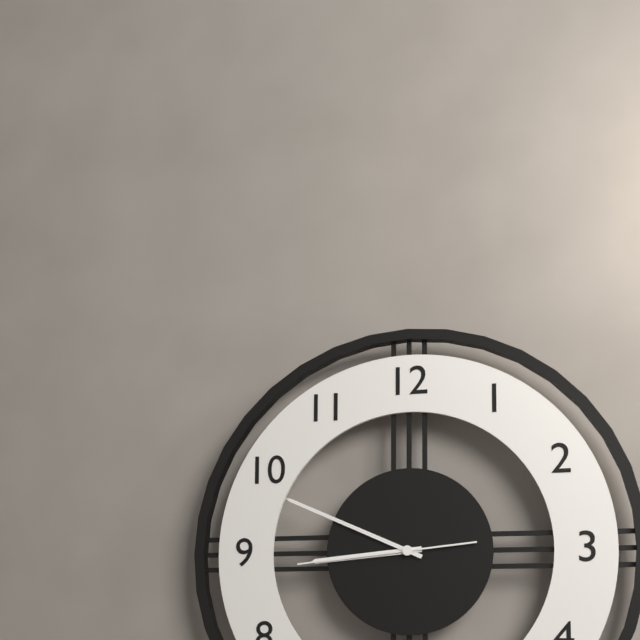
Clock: 8.49.44
